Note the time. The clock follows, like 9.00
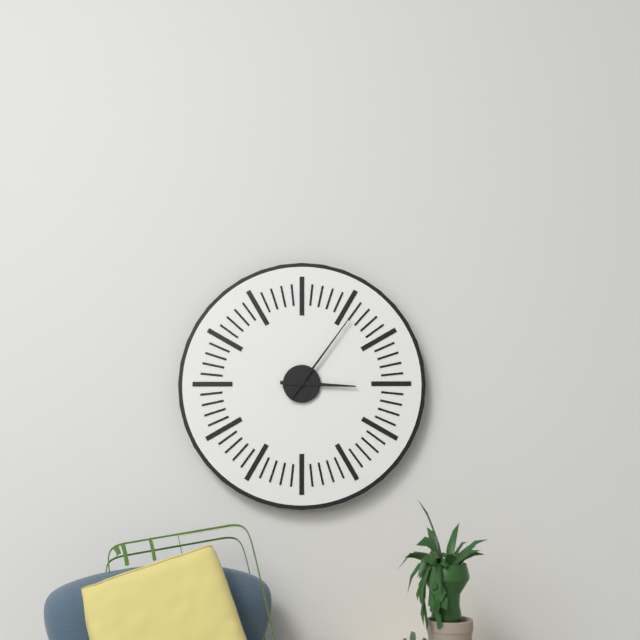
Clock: 3.06
